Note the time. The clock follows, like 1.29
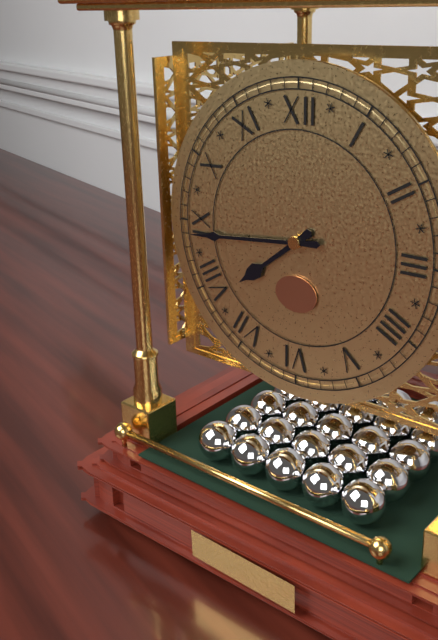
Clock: 7.44
